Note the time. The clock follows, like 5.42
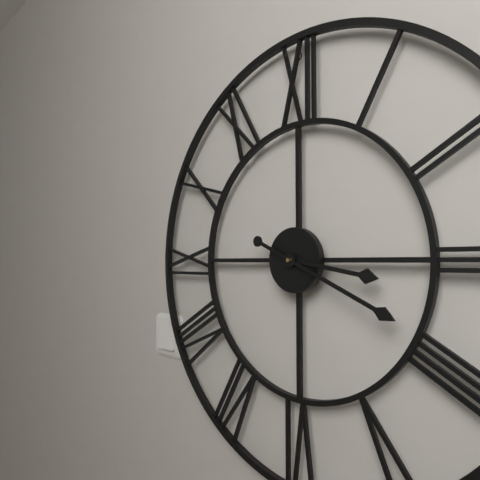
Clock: 3.19
